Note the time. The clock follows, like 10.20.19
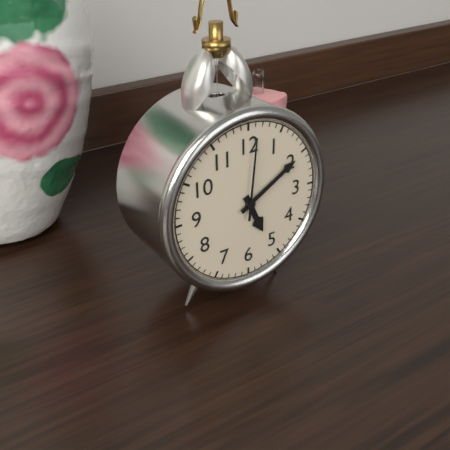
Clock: 5.10.01
